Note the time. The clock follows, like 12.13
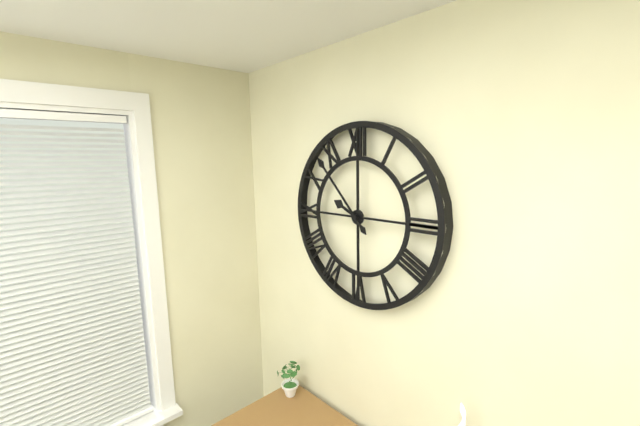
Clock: 9.53
